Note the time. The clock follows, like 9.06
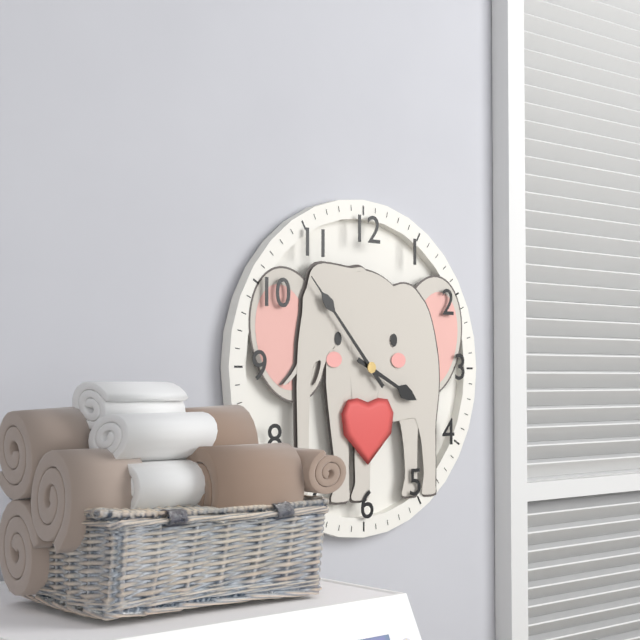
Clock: 3.53
